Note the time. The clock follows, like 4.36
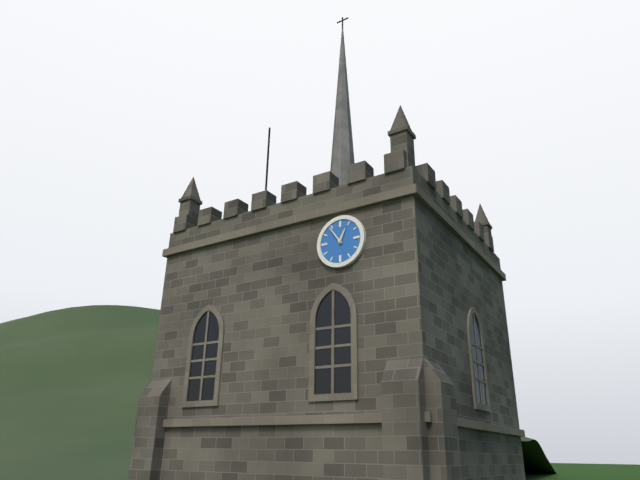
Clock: 12.54
